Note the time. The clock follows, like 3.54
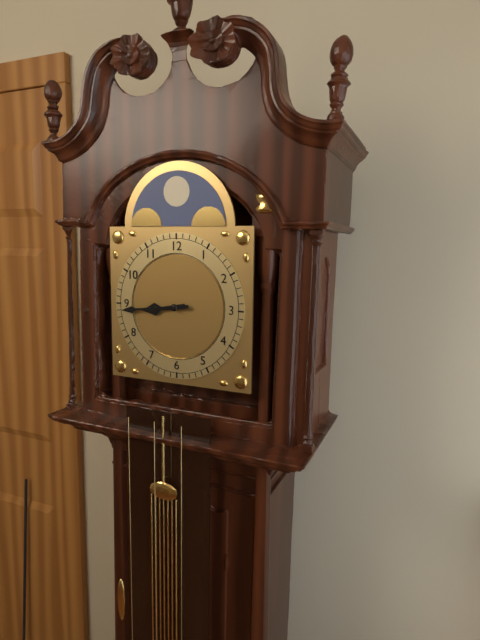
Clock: 8.44
